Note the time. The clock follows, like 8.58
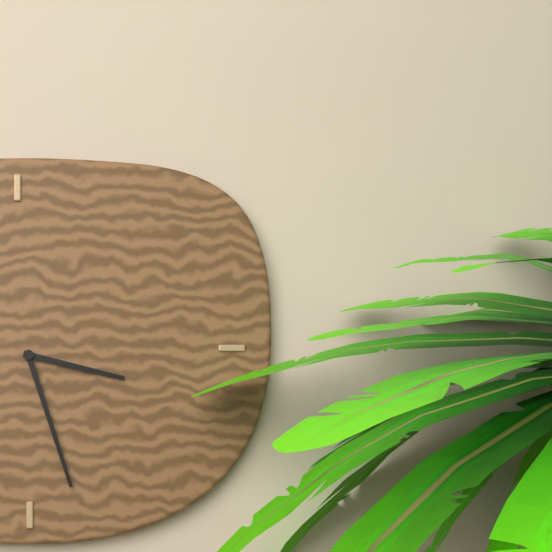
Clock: 3.27
